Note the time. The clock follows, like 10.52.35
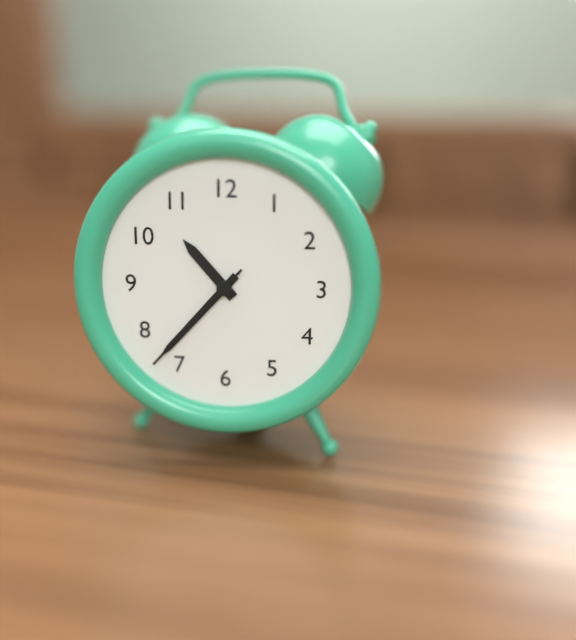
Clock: 10.37.37
